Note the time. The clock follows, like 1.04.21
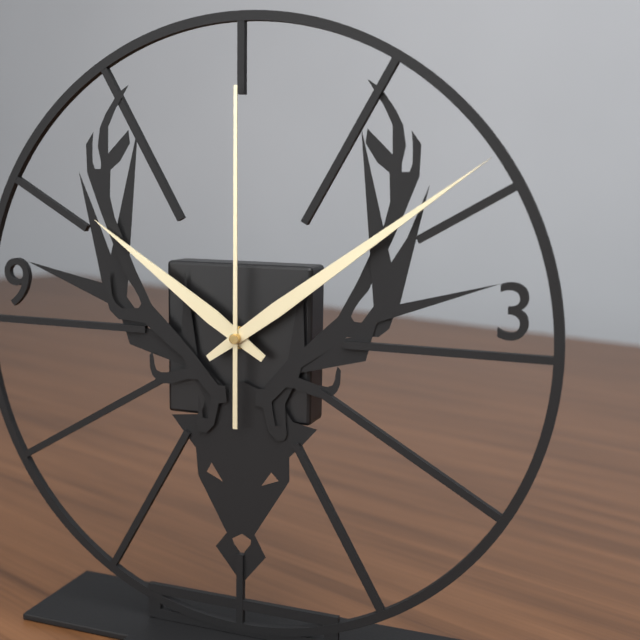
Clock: 10.09.00
